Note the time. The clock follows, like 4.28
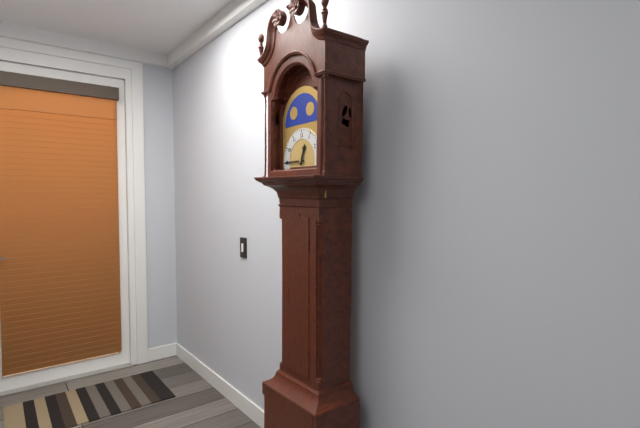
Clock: 12.45
